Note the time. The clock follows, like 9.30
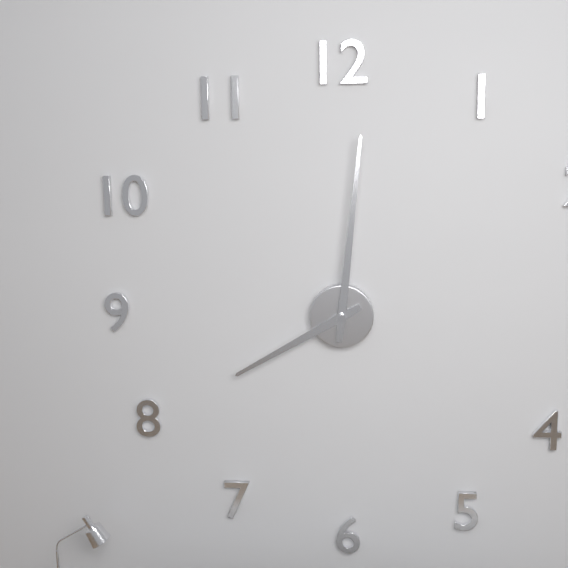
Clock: 8.01
